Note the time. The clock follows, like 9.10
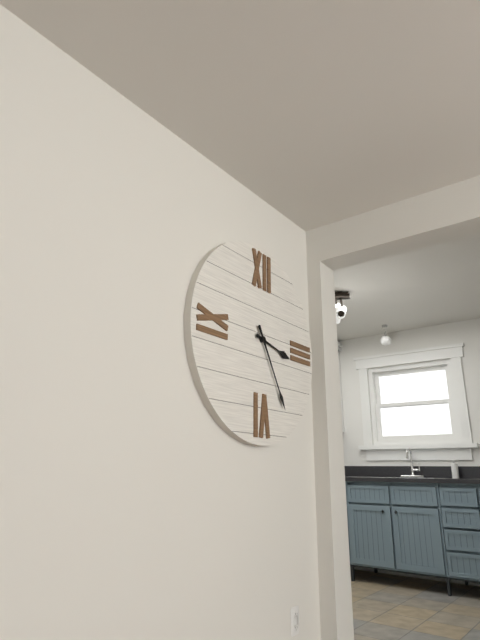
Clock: 3.25
